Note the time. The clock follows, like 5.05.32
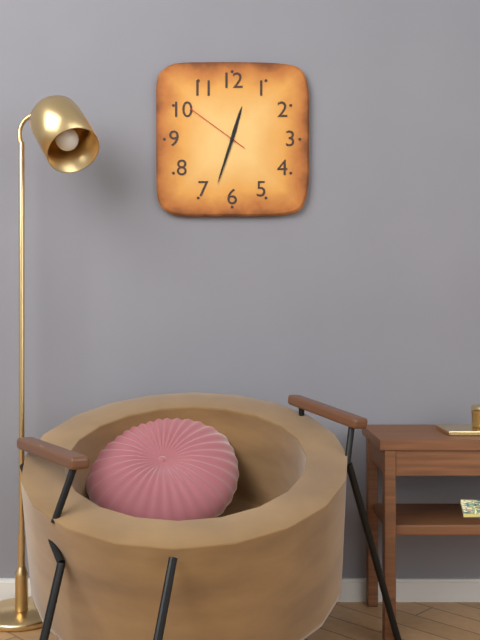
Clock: 12.33.51
